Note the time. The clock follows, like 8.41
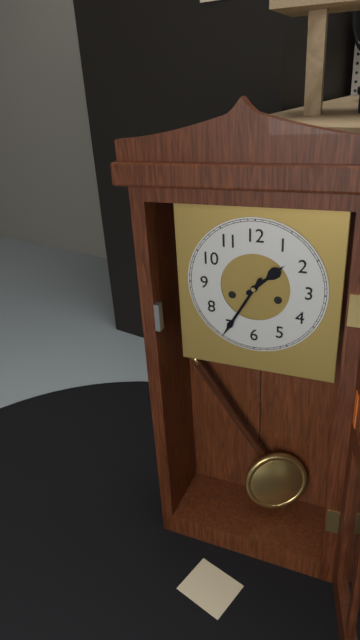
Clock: 1.35
